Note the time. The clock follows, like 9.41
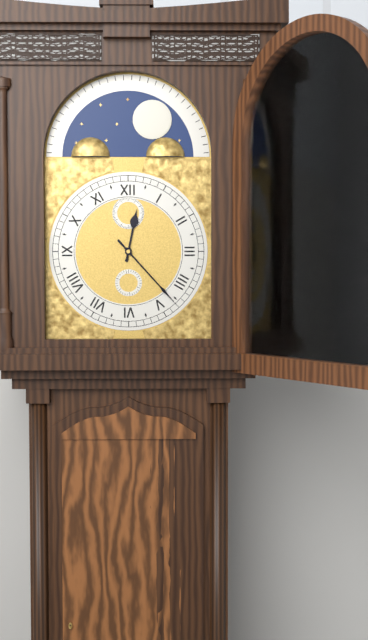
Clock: 12.23
